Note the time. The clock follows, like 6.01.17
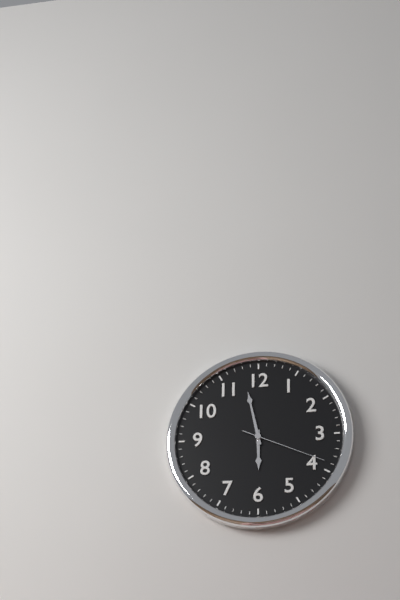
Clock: 5.58.19
